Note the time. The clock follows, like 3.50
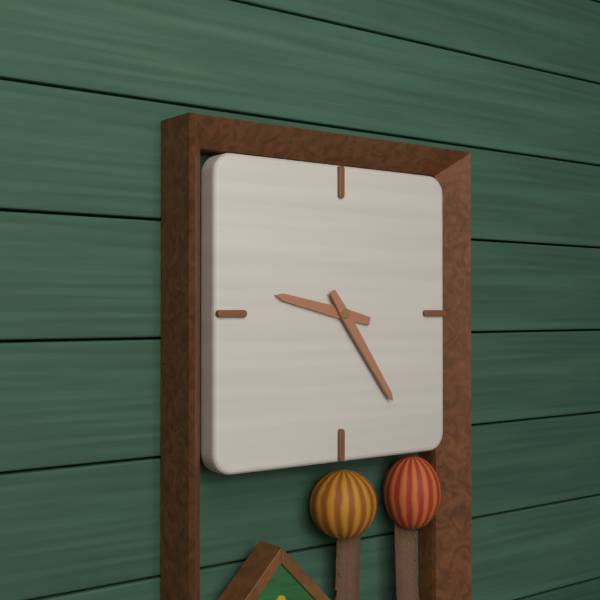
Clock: 9.24
